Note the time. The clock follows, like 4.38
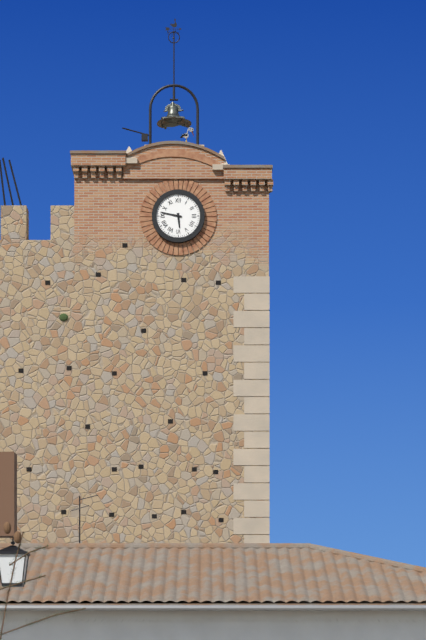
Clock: 5.47
